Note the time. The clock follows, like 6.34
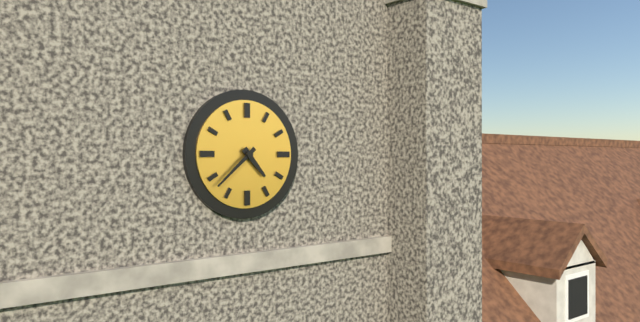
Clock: 4.38
